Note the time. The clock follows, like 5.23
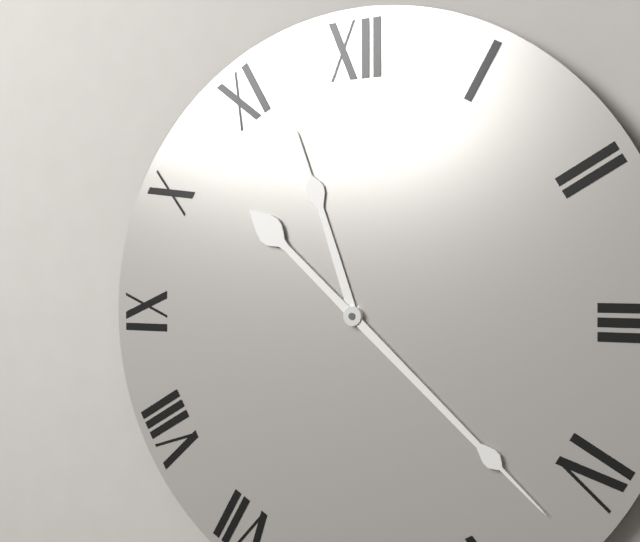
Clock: 11.22
